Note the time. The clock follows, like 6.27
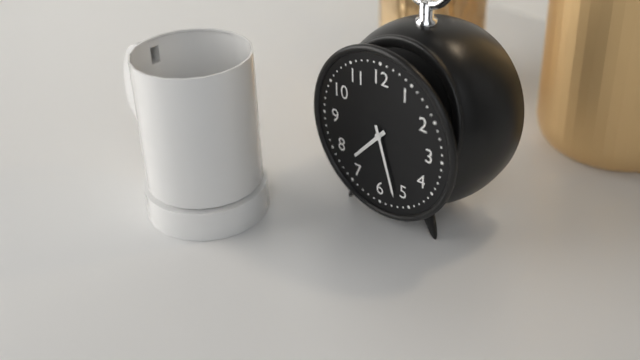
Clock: 7.27
